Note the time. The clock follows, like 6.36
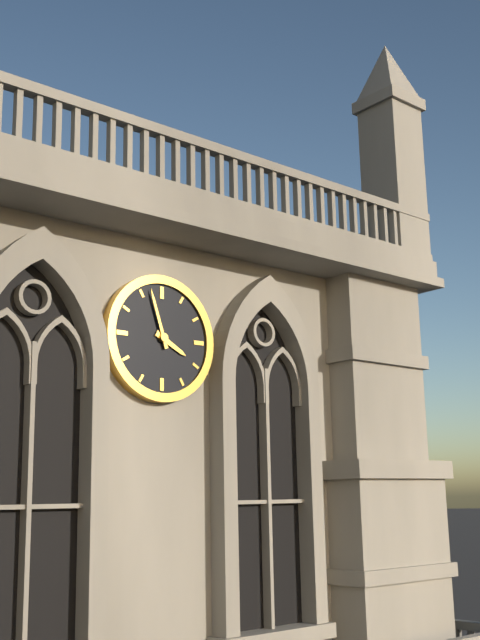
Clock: 3.57
